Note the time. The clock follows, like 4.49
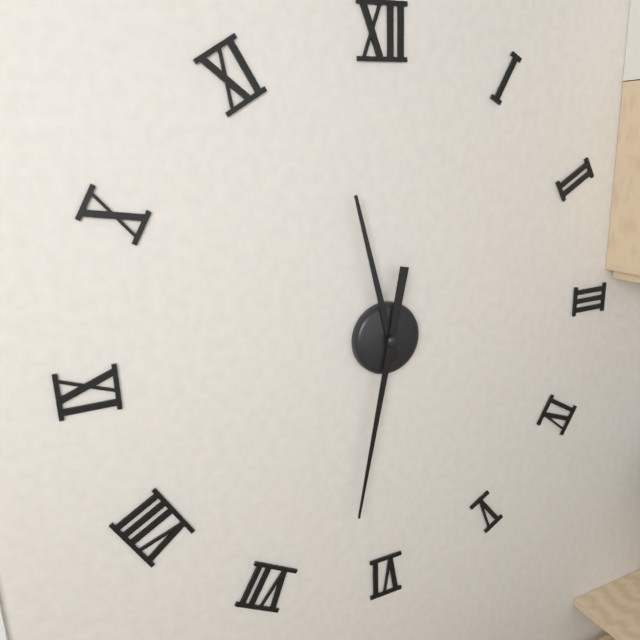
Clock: 11.32
